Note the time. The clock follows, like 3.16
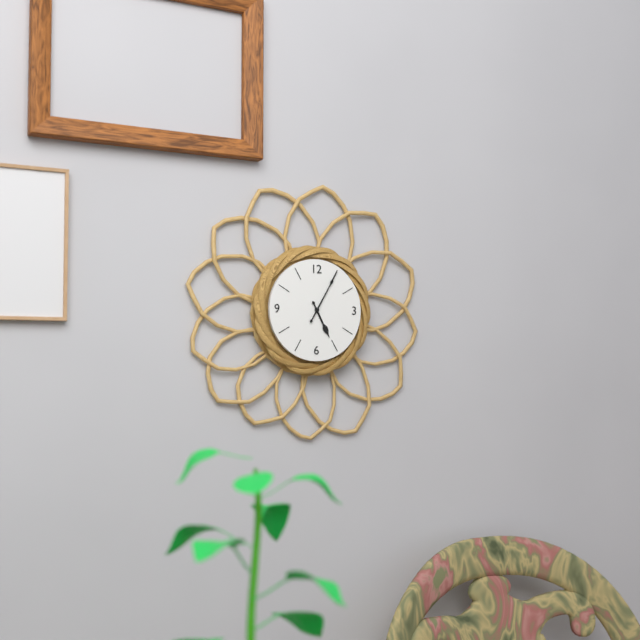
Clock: 5.05
